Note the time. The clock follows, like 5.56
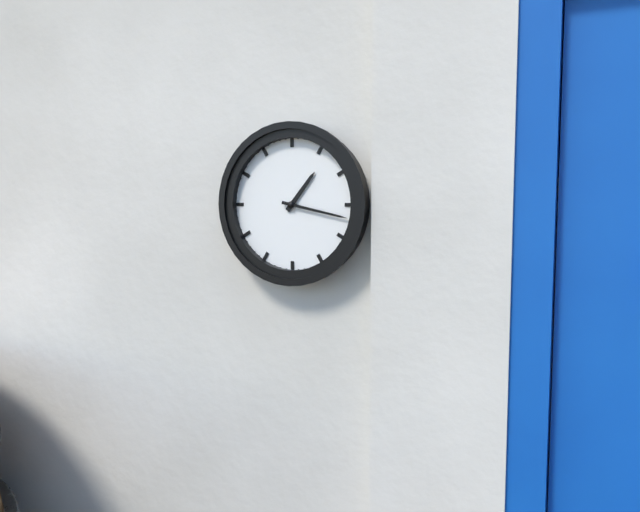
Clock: 1.17
